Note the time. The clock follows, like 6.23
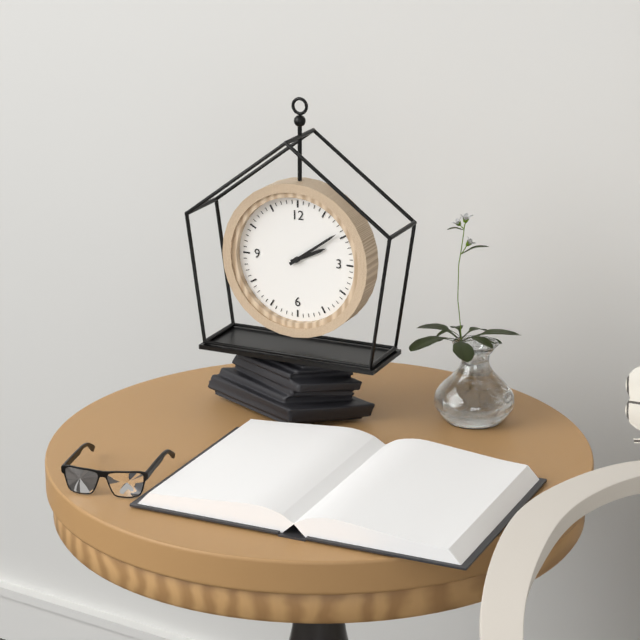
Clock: 2.09
